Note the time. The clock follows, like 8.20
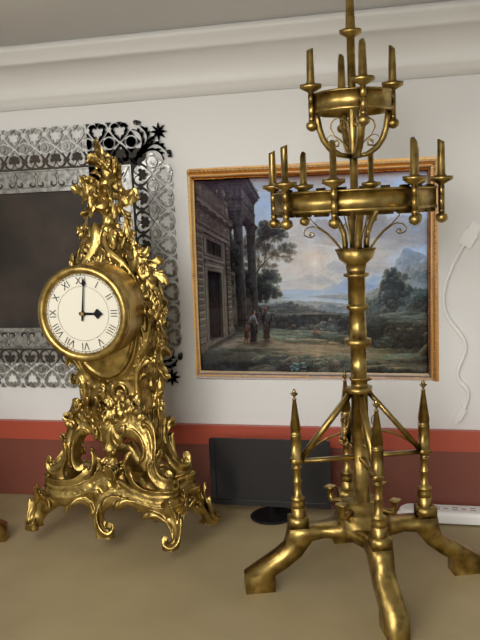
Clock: 3.01
